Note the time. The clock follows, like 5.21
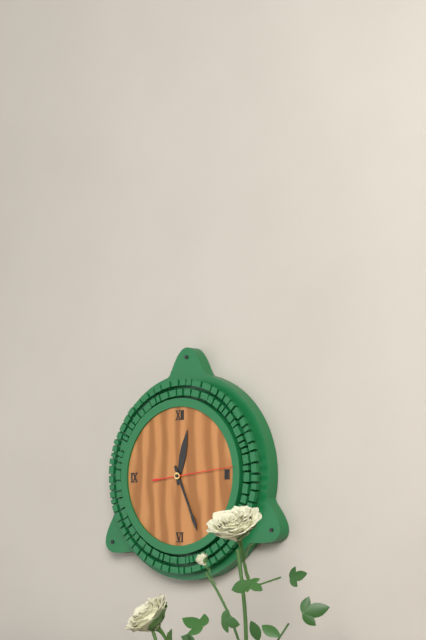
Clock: 12.26
